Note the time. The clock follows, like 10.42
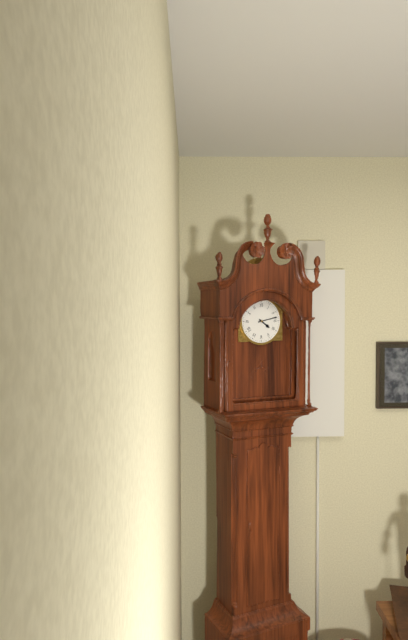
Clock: 4.13
